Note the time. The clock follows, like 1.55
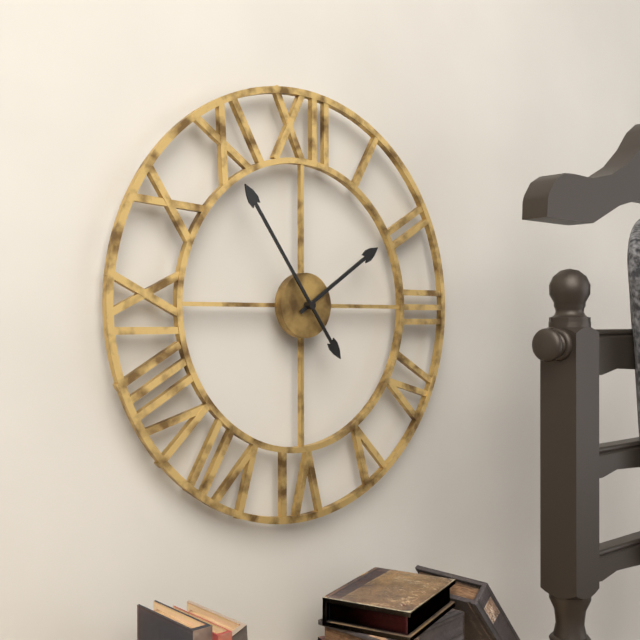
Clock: 1.54
